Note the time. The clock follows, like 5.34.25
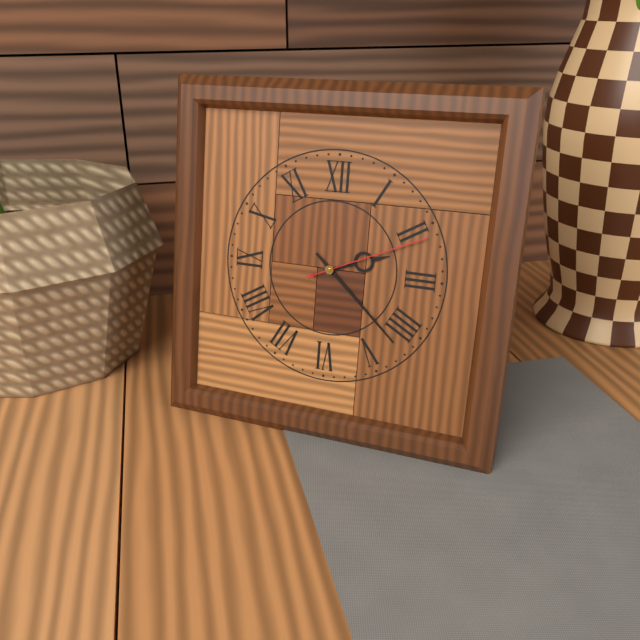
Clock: 2.22.11
